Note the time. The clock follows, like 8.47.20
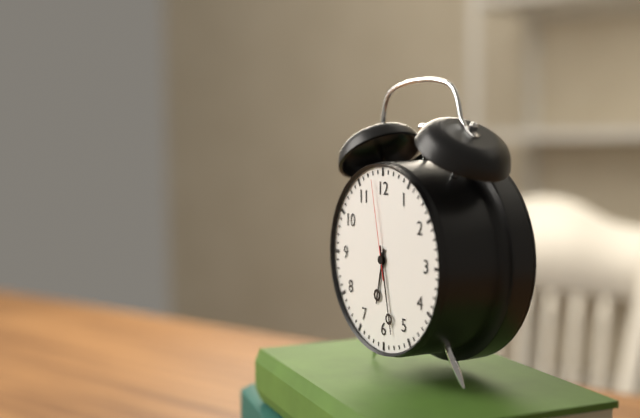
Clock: 6.28.58
